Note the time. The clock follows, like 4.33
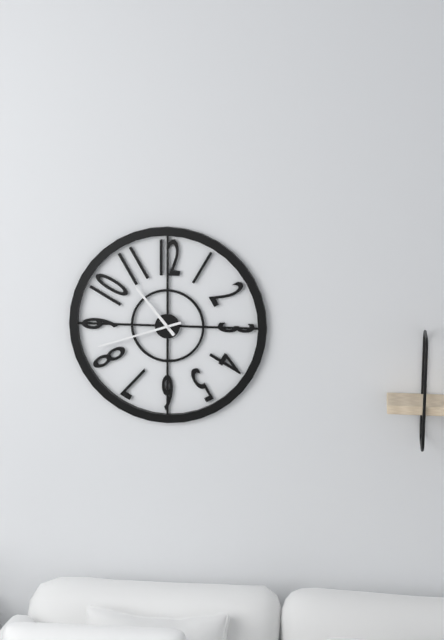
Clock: 10.42
